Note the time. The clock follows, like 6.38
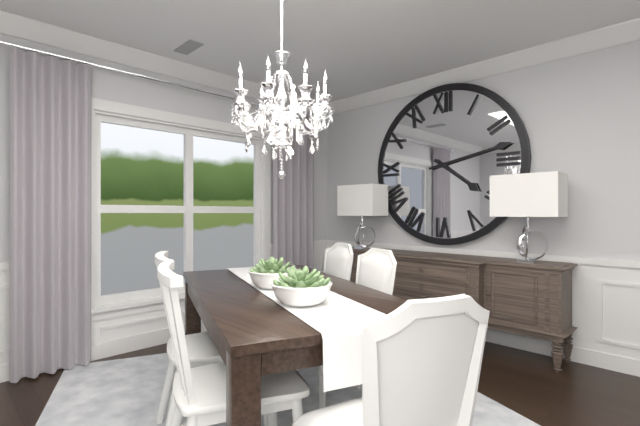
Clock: 4.13
